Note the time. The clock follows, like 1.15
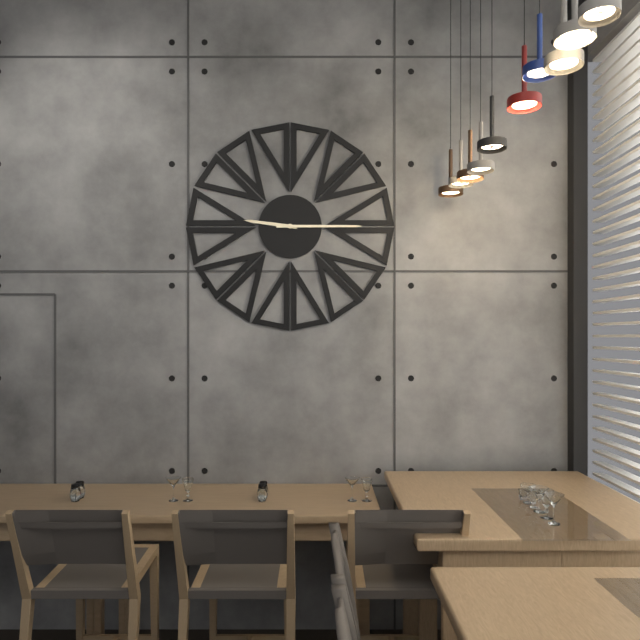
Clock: 9.15
